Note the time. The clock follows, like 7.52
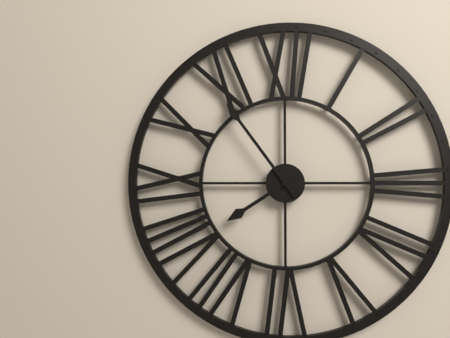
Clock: 7.54
